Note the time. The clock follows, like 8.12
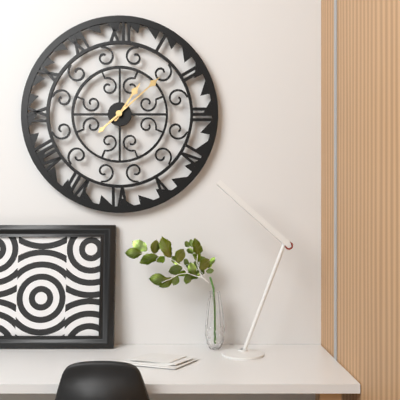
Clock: 1.08
